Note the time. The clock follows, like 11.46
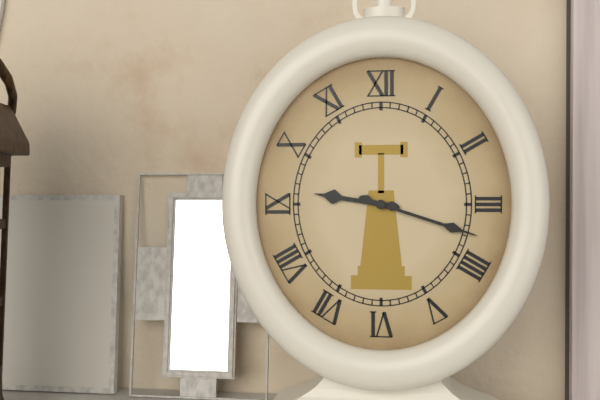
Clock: 9.18
